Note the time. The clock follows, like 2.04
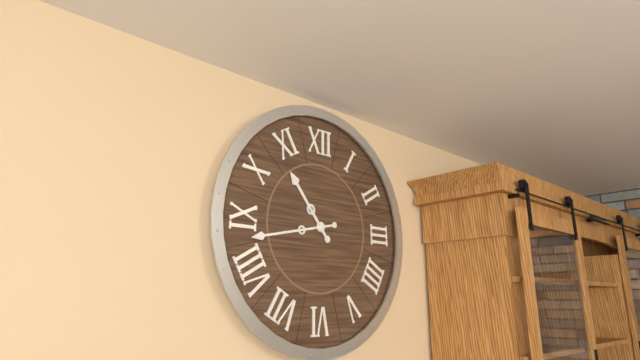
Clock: 10.43
